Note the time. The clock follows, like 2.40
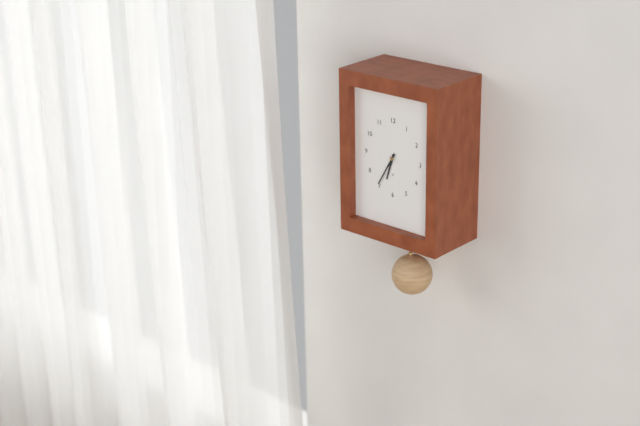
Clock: 6.35
